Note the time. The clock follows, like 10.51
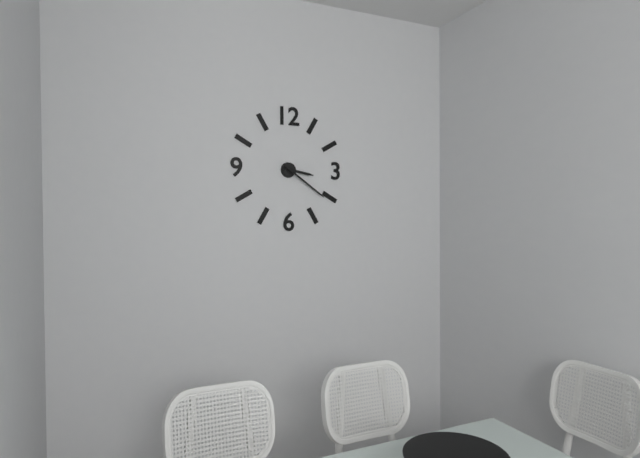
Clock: 3.21
